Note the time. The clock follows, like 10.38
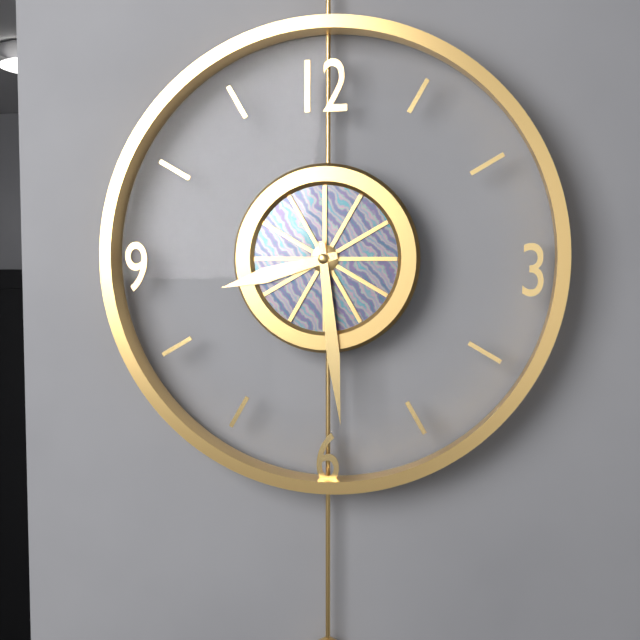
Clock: 8.29
